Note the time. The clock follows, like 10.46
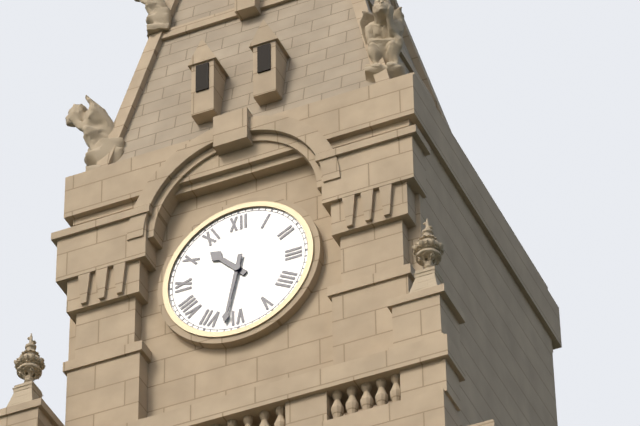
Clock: 10.32
